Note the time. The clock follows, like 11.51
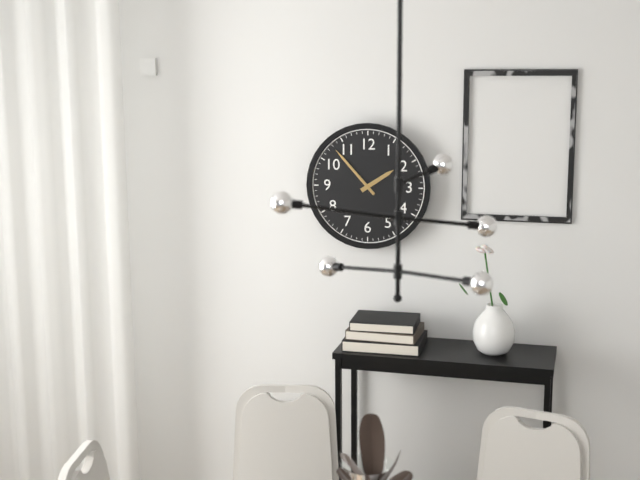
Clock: 1.53
